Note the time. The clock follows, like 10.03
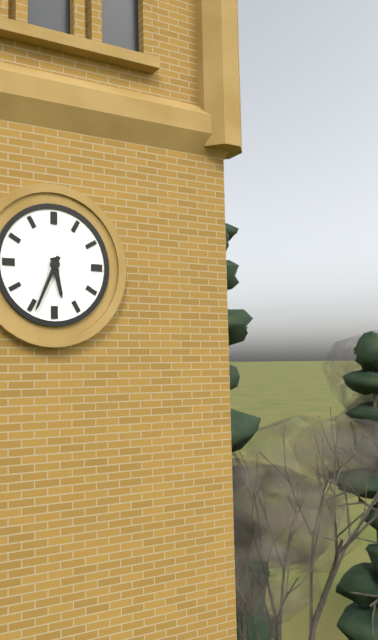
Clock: 5.34
